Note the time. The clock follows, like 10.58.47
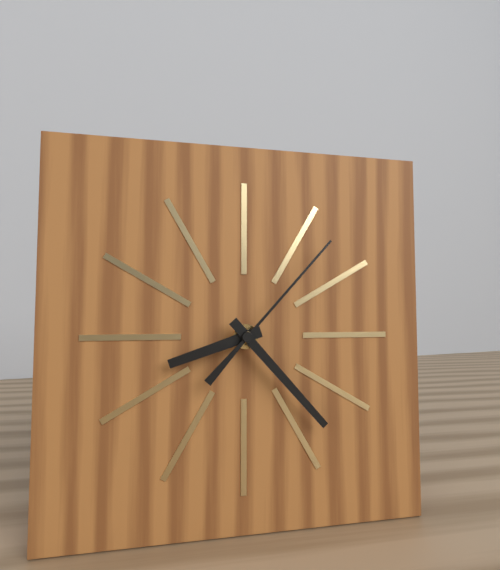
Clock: 8.23.07
